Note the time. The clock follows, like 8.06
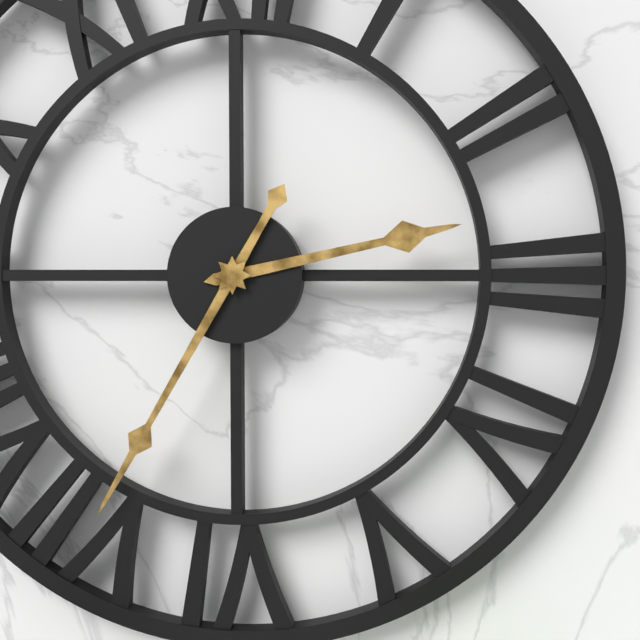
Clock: 2.35
